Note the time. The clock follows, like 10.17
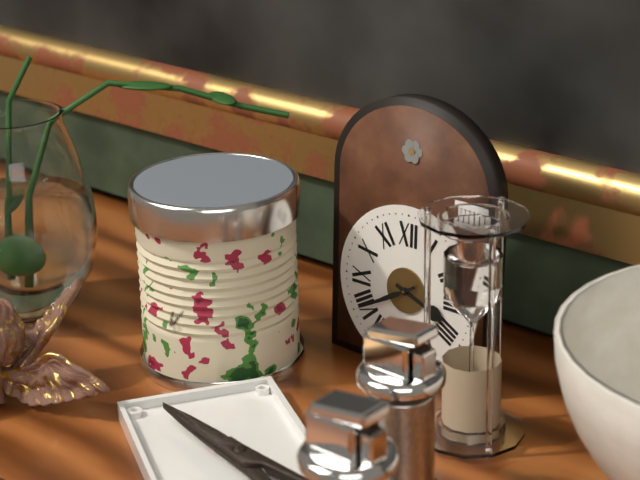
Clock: 3.40
